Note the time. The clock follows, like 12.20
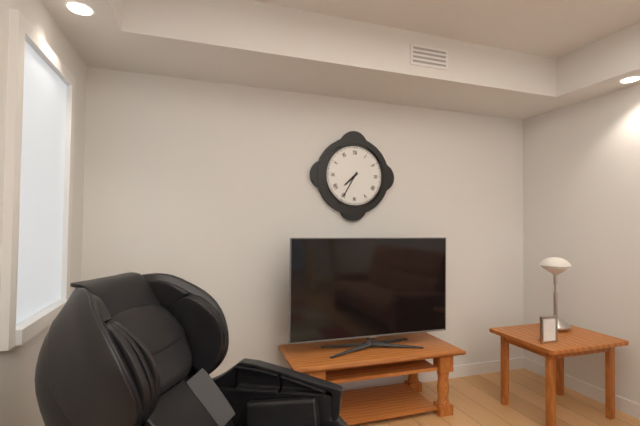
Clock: 7.35
